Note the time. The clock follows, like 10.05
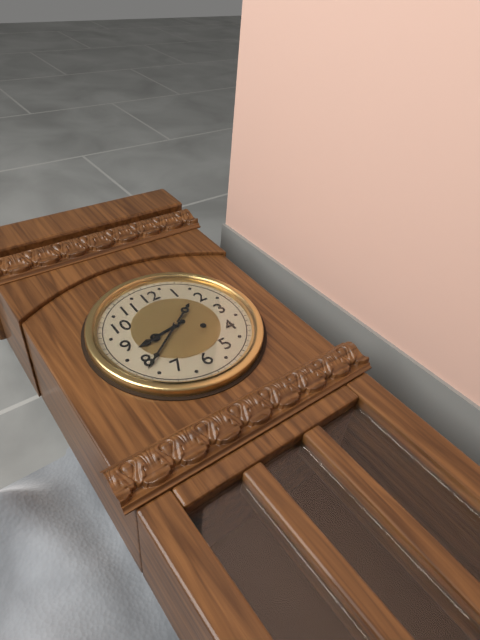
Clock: 8.39
